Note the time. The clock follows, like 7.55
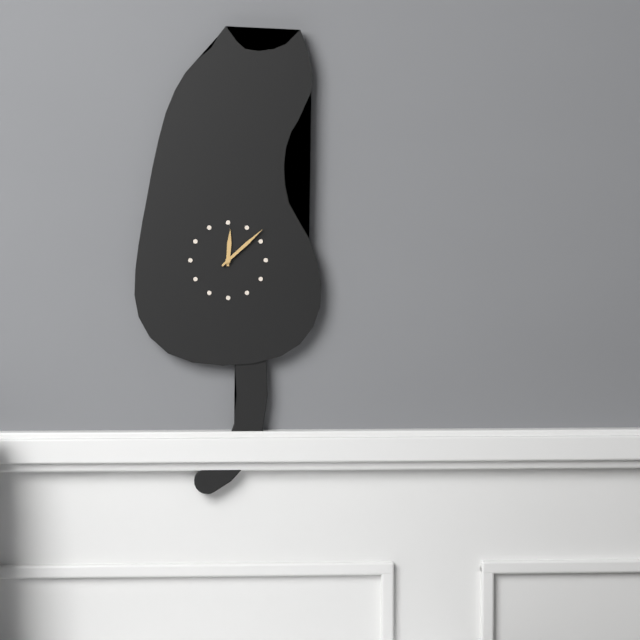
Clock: 12.08
